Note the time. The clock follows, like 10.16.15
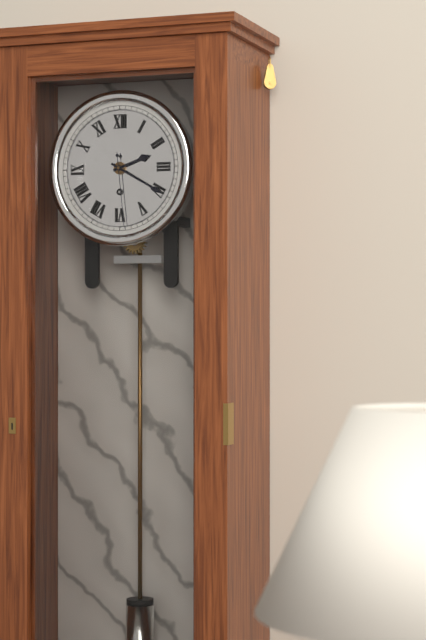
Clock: 2.20.29
